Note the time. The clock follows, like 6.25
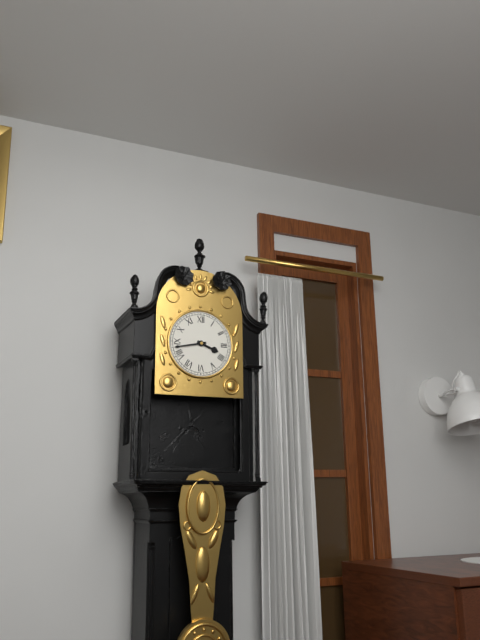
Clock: 3.43
